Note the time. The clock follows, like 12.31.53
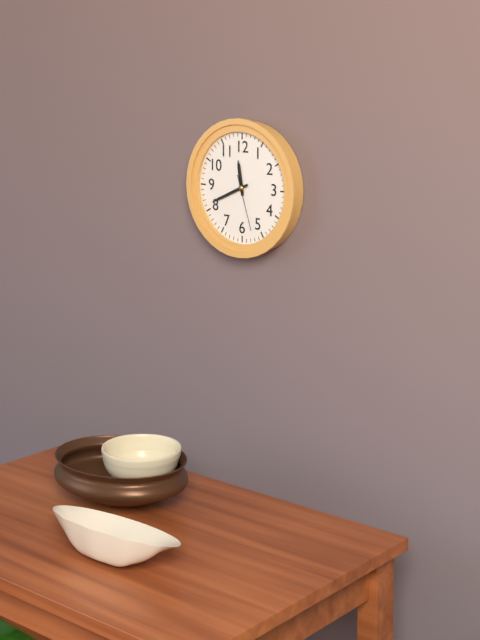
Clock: 11.41.27
